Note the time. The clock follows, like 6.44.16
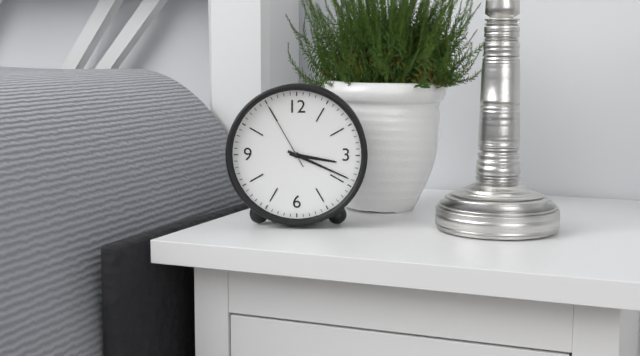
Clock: 3.19.55
